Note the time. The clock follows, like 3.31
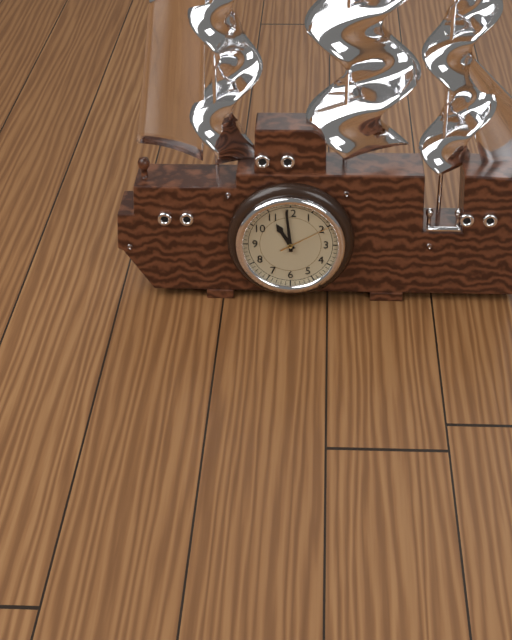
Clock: 10.59
